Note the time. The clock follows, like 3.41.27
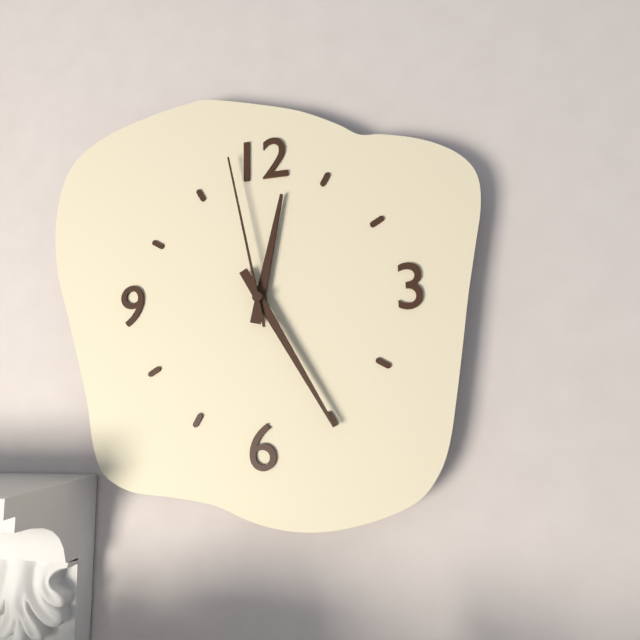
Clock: 12.25.58
